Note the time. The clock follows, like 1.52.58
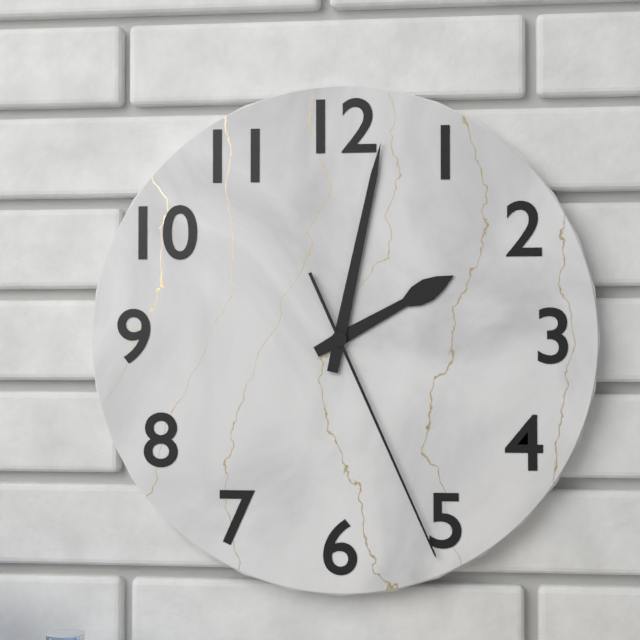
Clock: 2.02.26
